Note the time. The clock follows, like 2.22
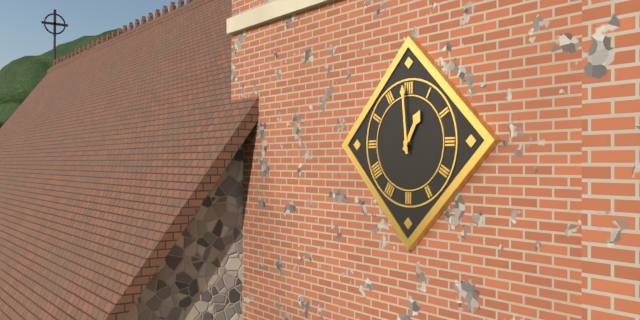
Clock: 12.59
